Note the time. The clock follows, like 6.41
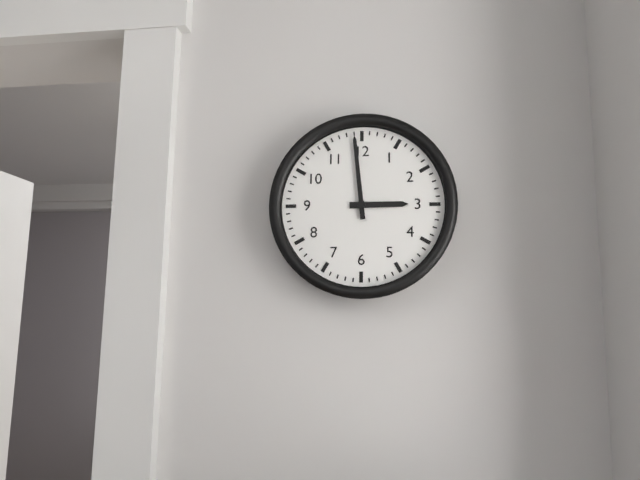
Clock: 2.59
